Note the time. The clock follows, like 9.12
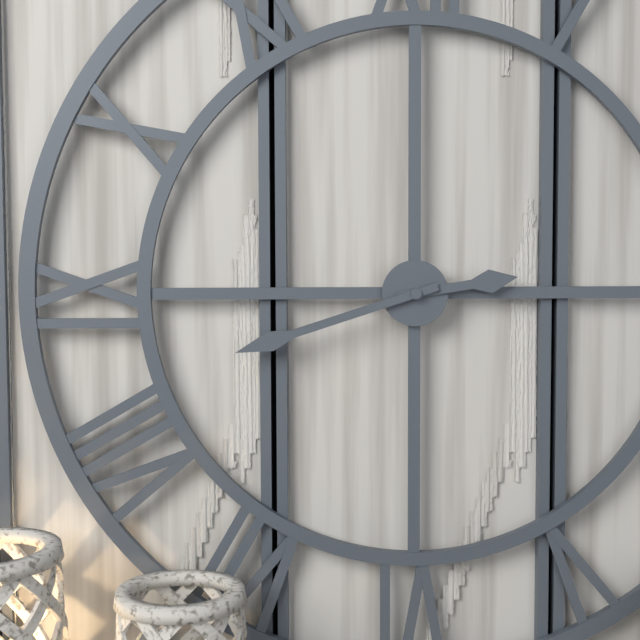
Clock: 2.42
